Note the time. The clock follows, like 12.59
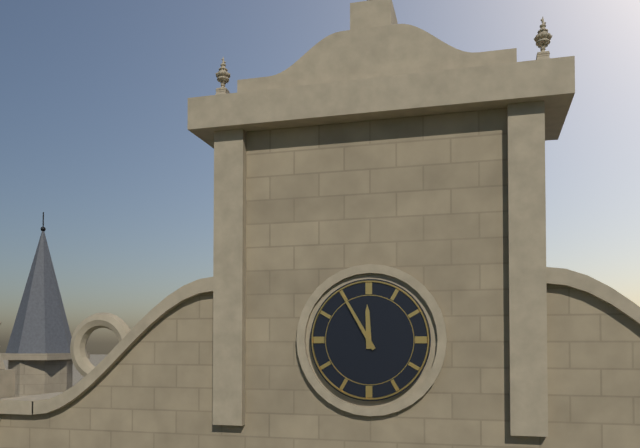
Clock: 11.55
